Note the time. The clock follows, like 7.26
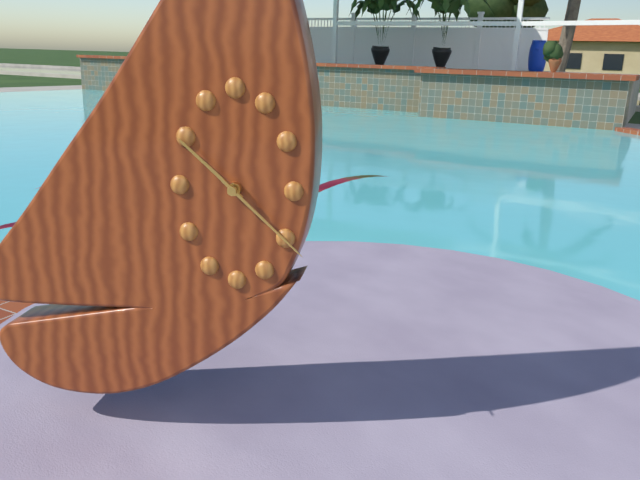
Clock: 10.22
